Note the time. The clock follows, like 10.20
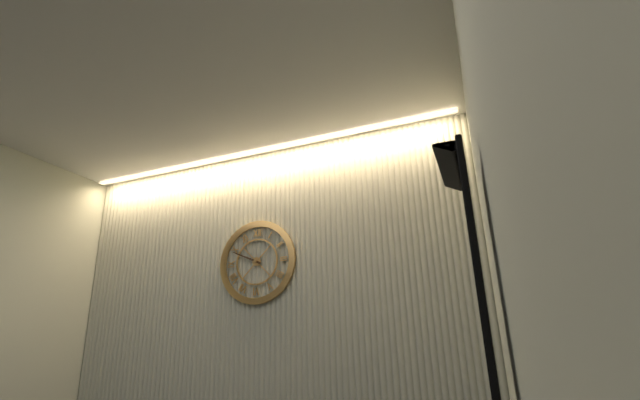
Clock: 9.49
